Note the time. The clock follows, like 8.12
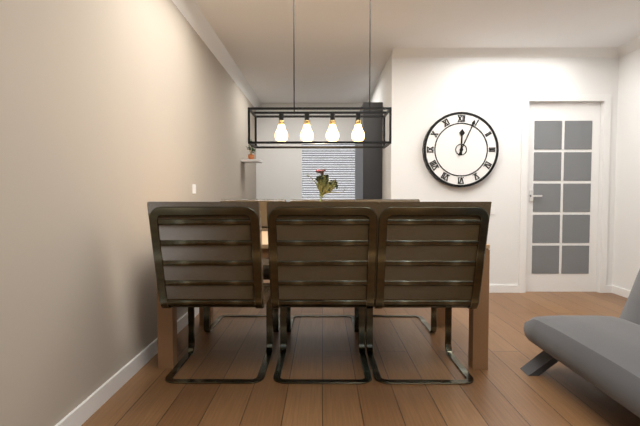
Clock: 12.04
